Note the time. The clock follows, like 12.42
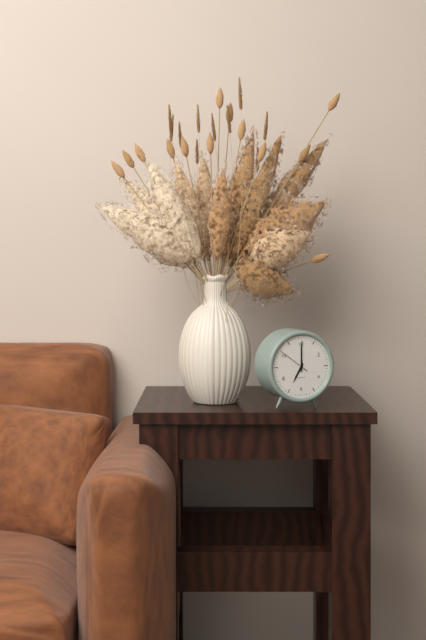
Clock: 7.00
